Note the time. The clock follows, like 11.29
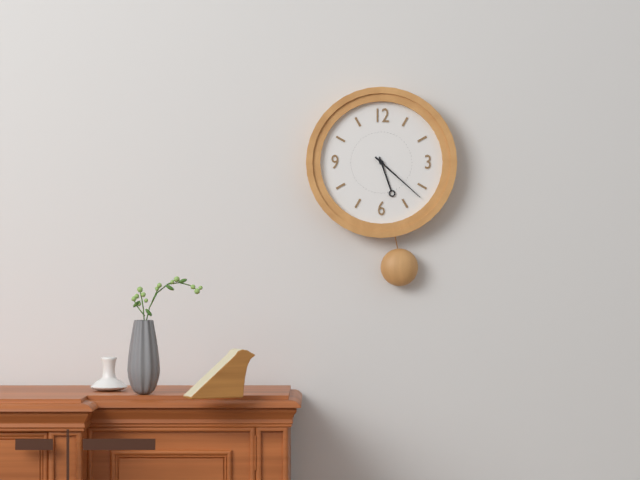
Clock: 5.22
